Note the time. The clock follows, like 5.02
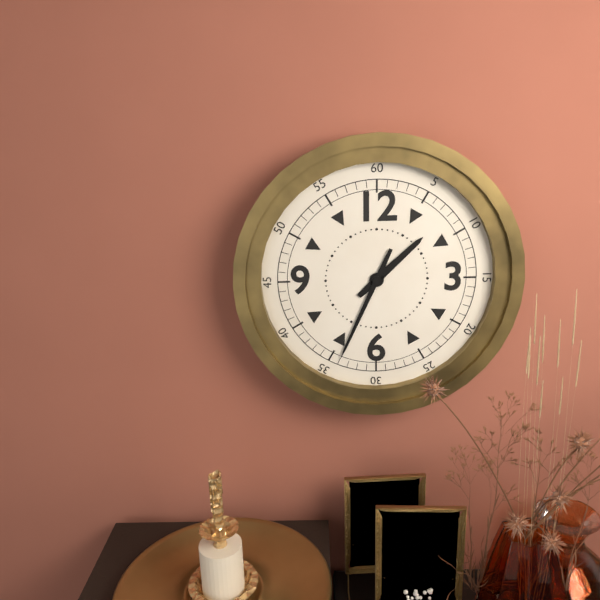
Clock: 1.34
